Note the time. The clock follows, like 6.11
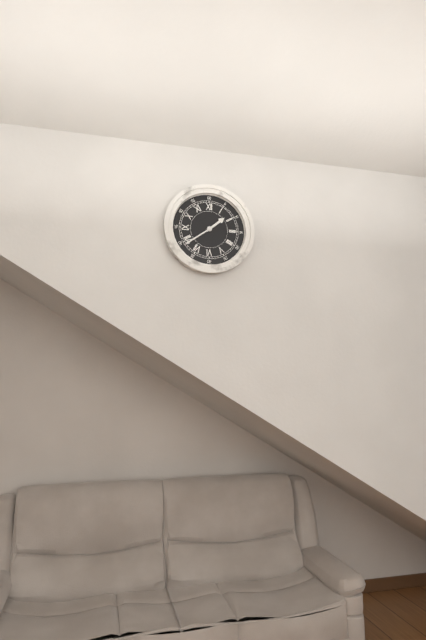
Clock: 1.39
